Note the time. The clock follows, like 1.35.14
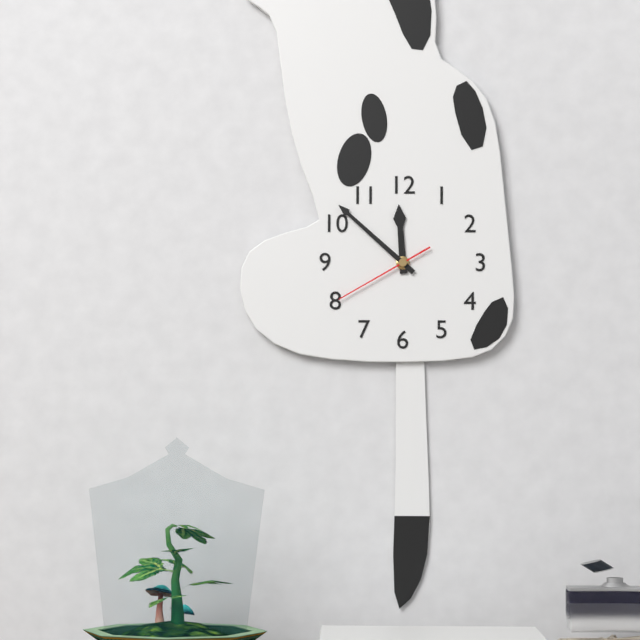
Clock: 11.52.40
